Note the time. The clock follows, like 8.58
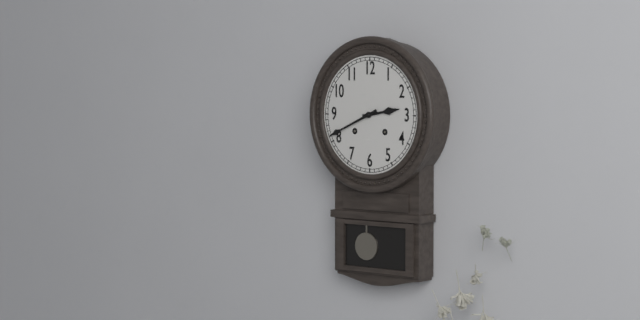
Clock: 2.41
